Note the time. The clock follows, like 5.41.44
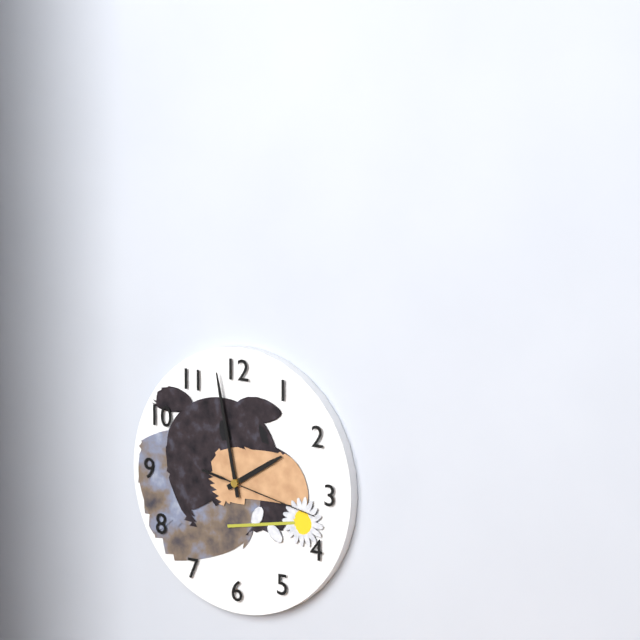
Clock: 1.58.17
